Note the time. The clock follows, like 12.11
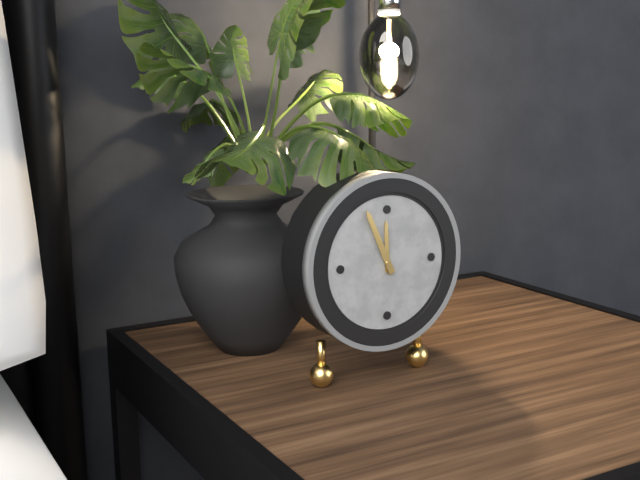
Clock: 11.56
